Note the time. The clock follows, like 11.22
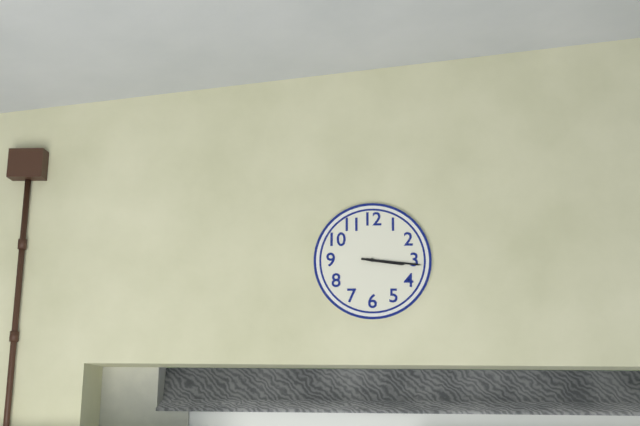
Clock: 3.16
